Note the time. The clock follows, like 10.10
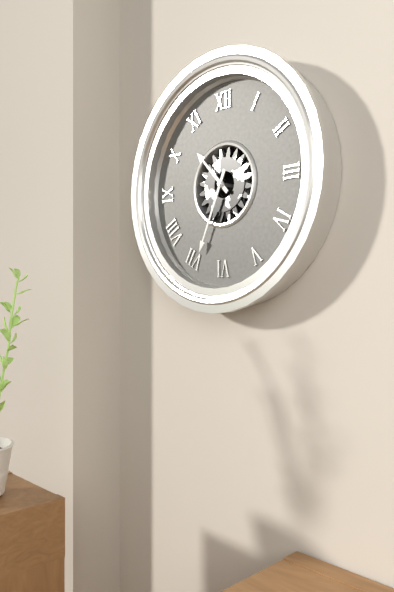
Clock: 10.34
